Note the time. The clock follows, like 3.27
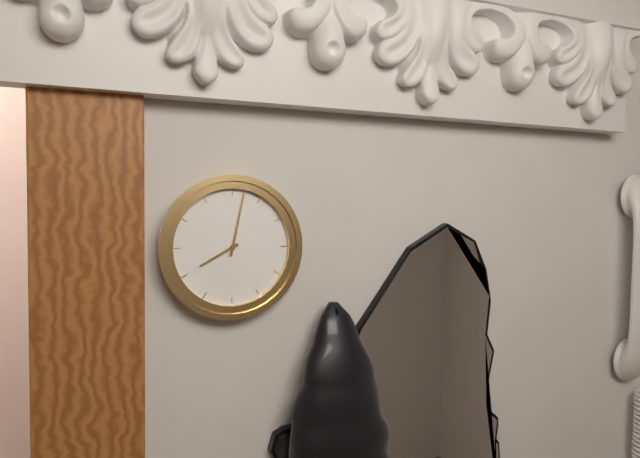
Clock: 8.02
